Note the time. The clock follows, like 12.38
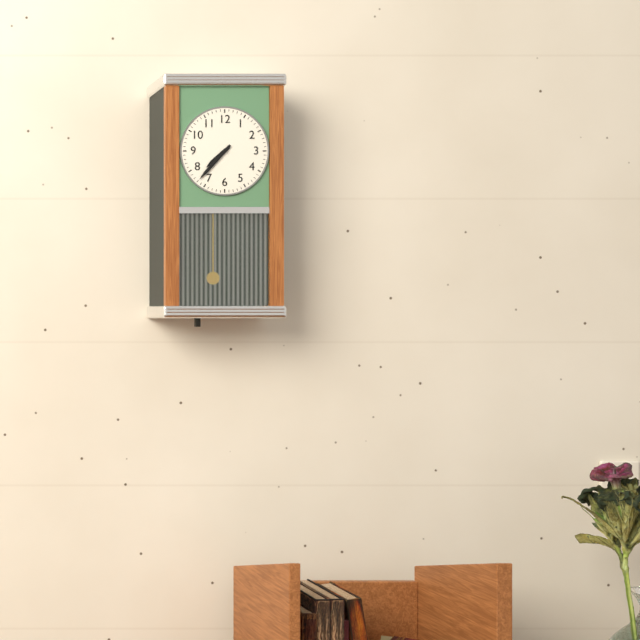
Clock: 7.37
